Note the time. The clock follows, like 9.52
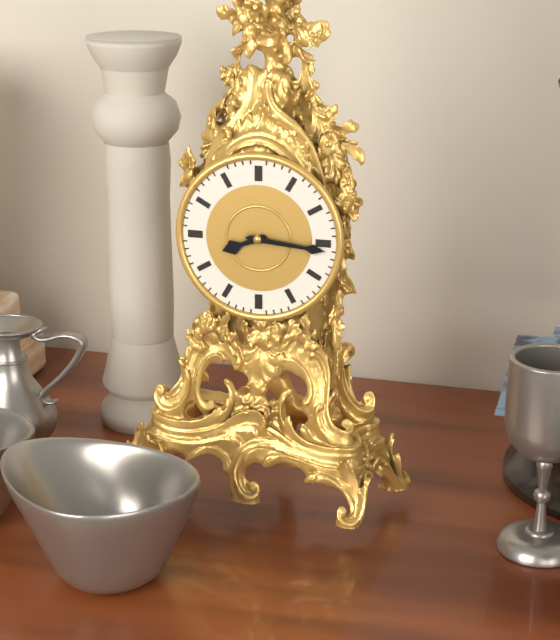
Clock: 8.16
